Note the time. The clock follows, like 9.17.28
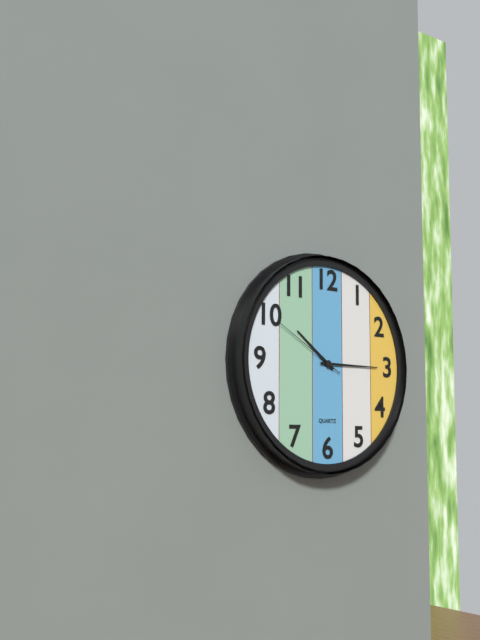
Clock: 10.15.50
